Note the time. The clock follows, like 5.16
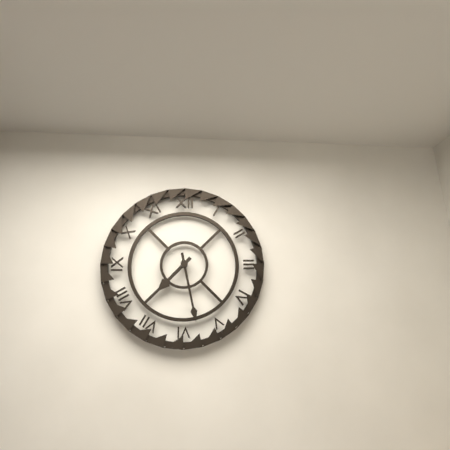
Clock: 7.28
